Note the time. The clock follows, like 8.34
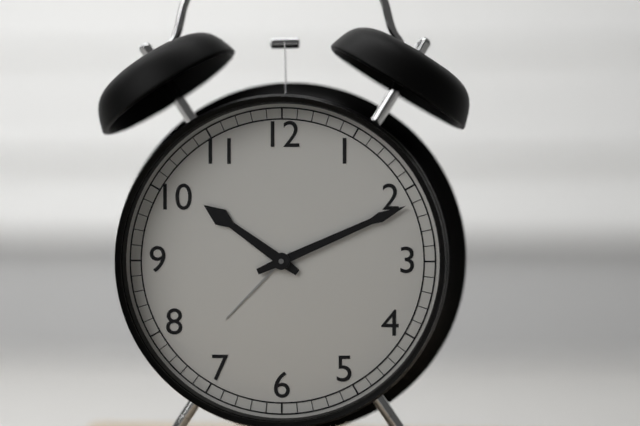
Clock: 10.11
